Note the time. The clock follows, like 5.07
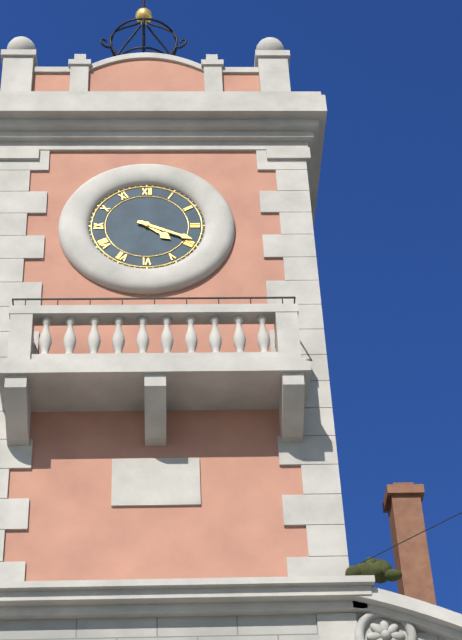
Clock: 4.19
